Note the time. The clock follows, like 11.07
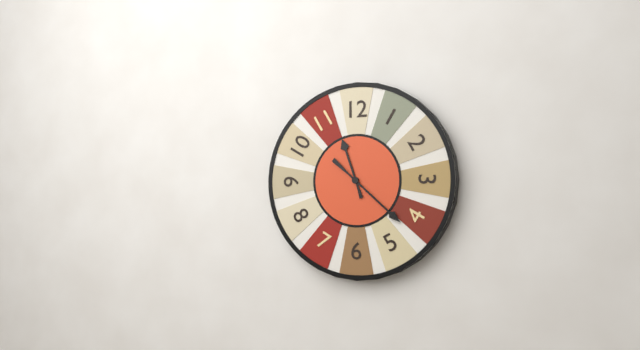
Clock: 11.22
